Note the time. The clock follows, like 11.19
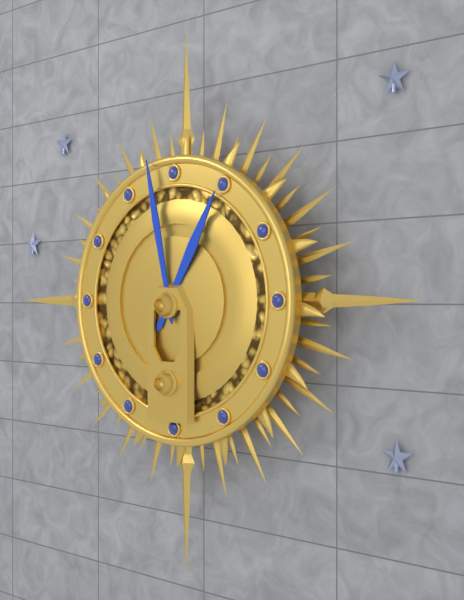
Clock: 12.58
